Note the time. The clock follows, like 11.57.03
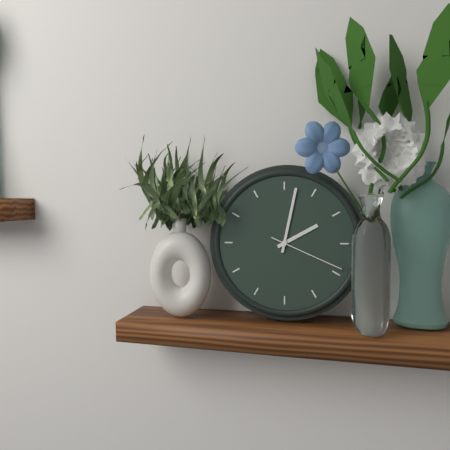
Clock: 2.02.19
